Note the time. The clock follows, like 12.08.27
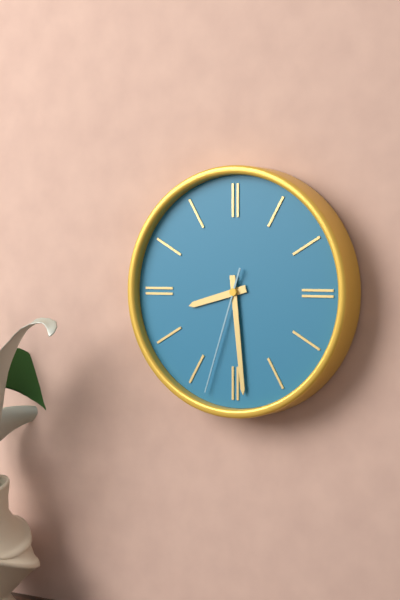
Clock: 8.29.33
